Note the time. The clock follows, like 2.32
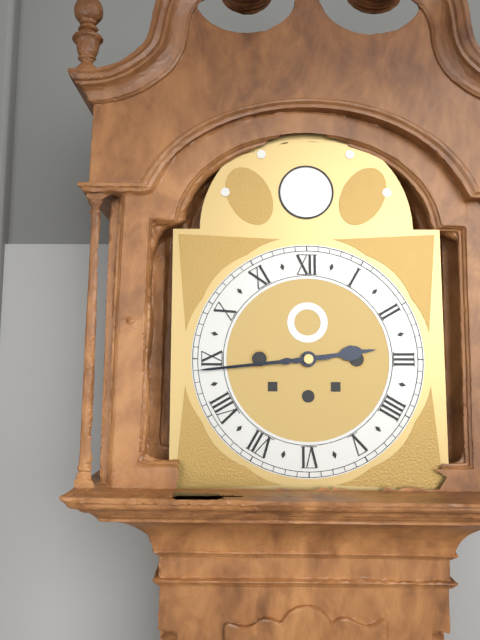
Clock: 2.44
